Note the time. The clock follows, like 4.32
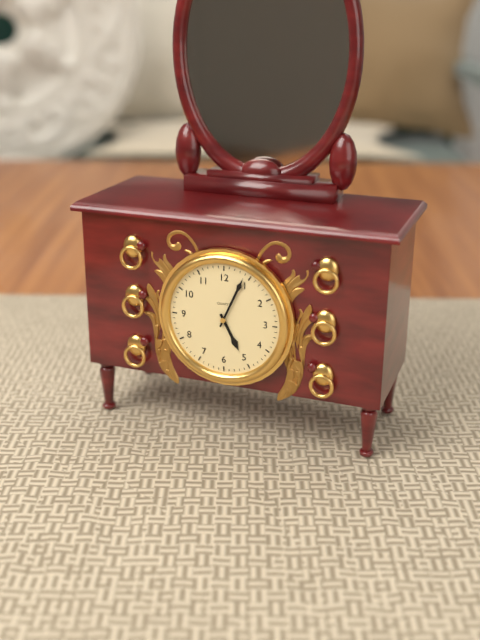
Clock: 5.04
